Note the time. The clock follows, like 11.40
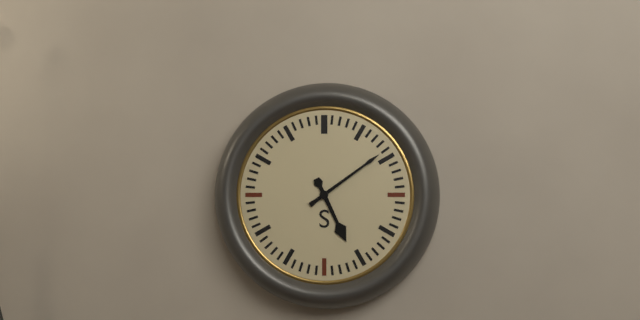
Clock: 5.09
